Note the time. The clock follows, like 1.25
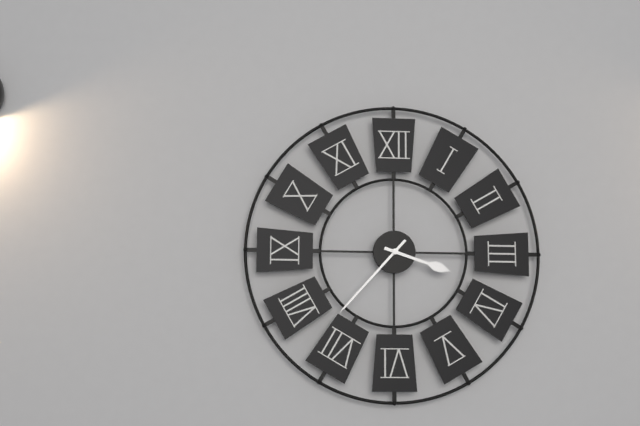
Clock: 3.37
